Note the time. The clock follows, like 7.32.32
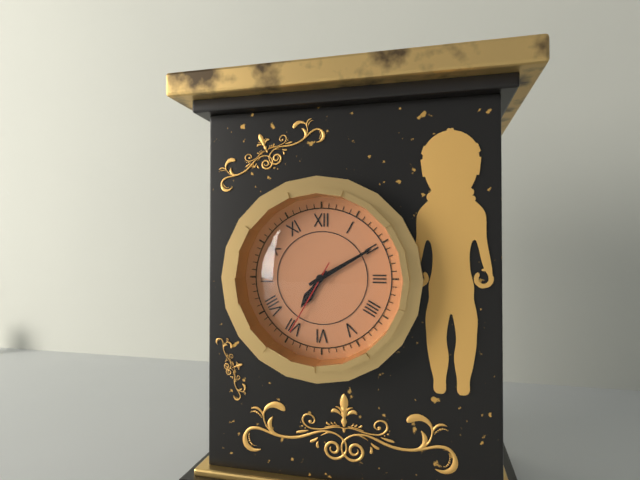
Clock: 7.10.35
